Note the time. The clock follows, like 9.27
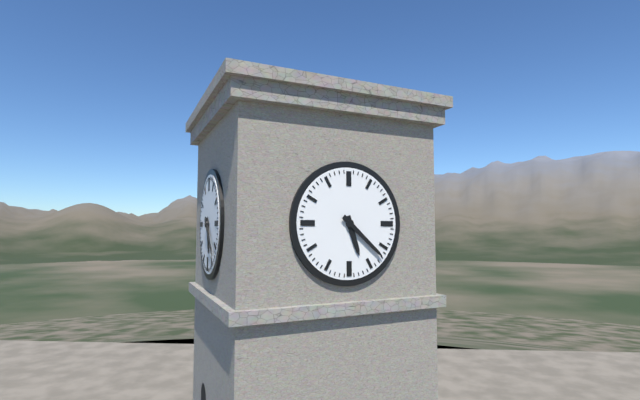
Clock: 5.22
